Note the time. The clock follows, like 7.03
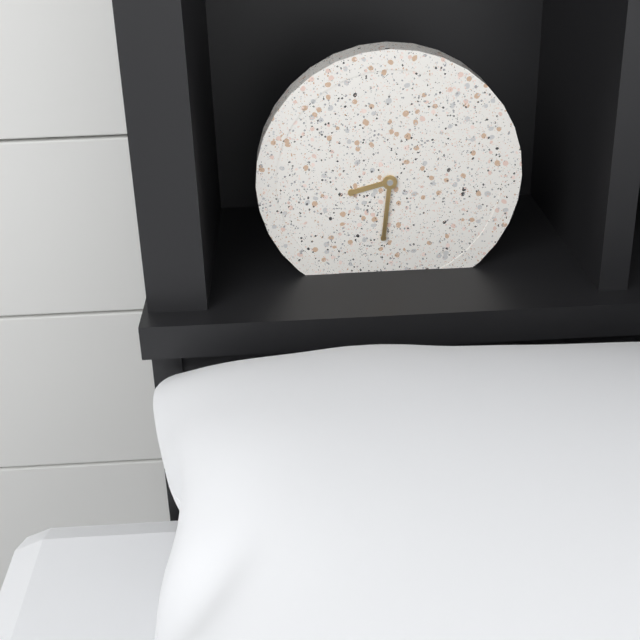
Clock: 8.31
